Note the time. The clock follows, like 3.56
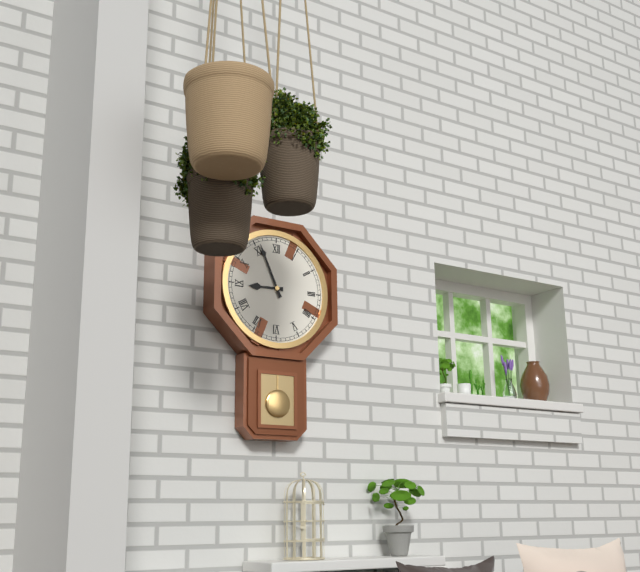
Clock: 8.56
